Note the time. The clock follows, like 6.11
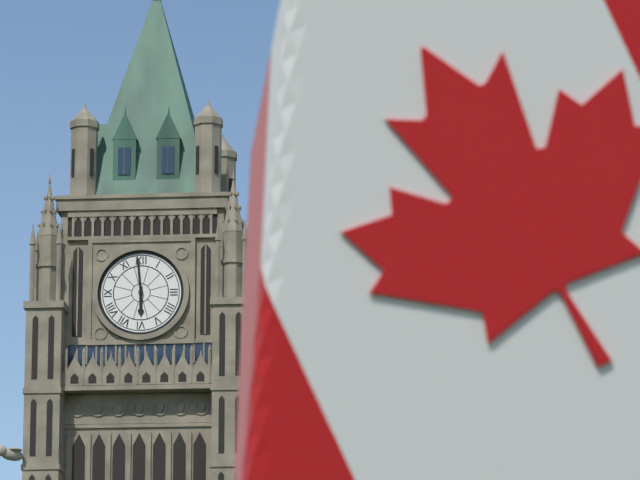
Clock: 5.59
